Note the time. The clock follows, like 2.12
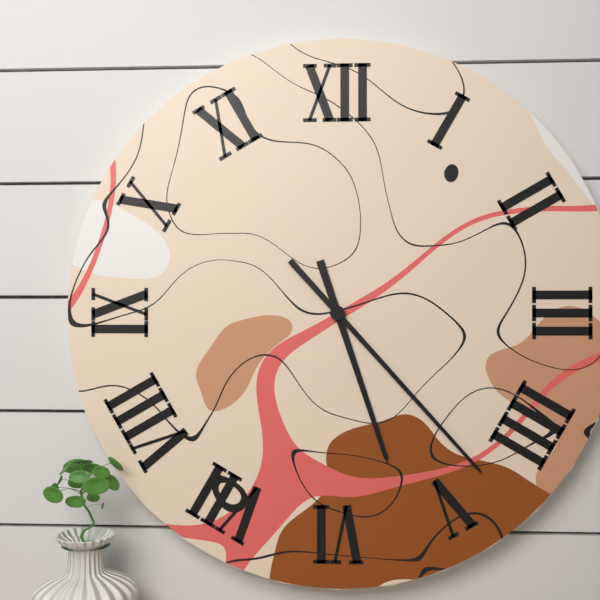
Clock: 5.23
